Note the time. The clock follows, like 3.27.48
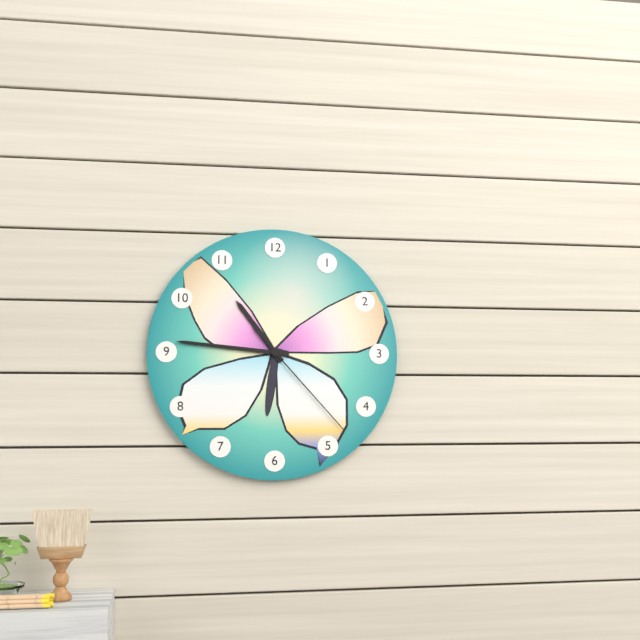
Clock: 10.46.23
